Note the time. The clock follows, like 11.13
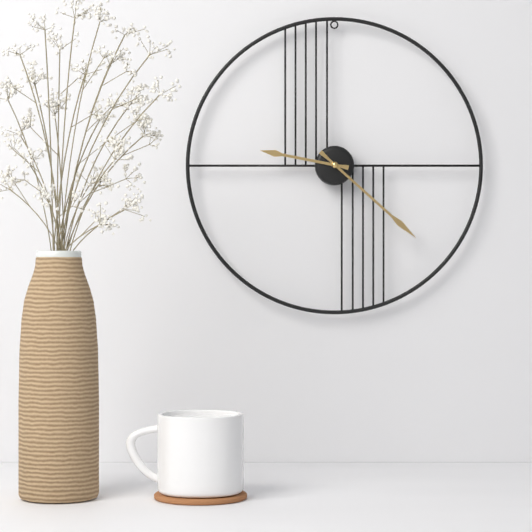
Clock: 9.22
